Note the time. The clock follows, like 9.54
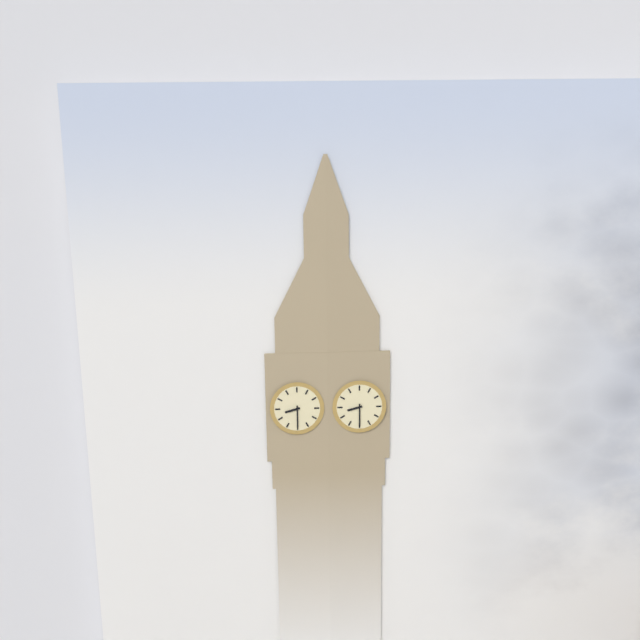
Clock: 8.30
